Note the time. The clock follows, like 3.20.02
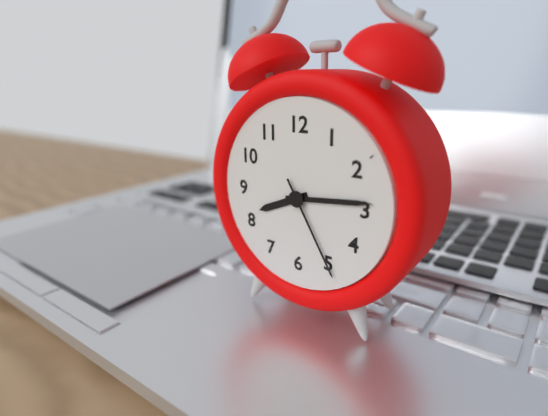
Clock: 8.14.25
